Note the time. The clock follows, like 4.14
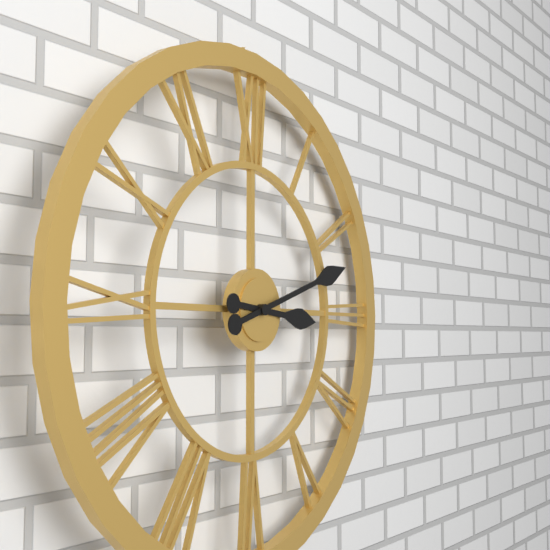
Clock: 3.12
